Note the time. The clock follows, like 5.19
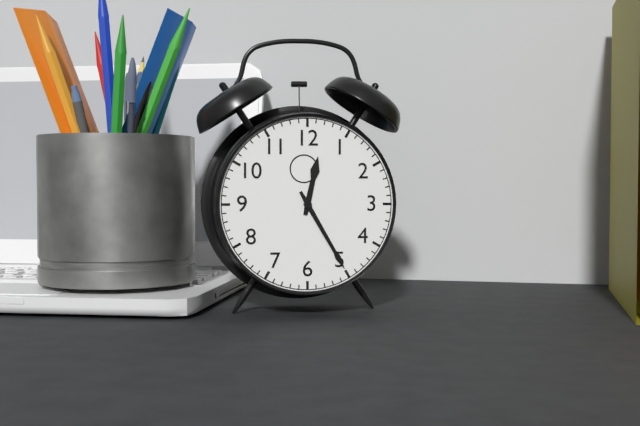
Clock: 12.25
